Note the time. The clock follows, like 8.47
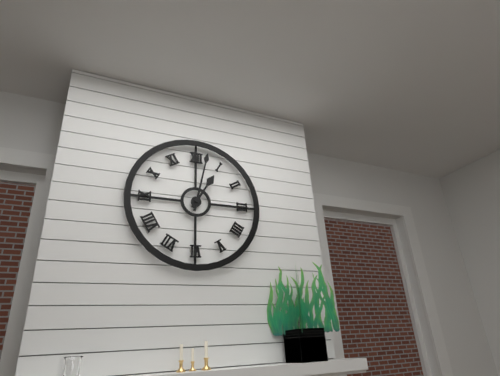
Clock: 1.02
